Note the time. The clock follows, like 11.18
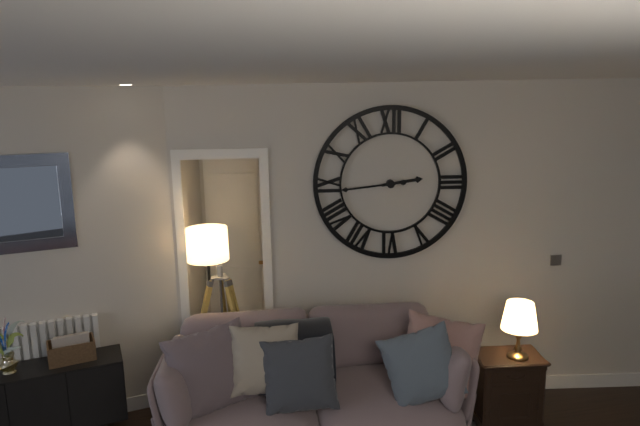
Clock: 2.44
